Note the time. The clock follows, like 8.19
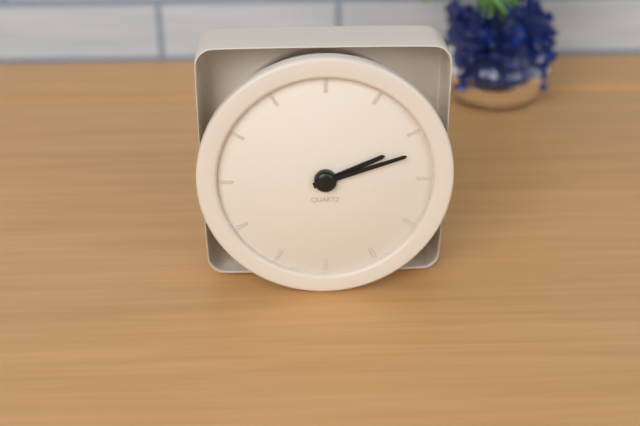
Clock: 2.12
